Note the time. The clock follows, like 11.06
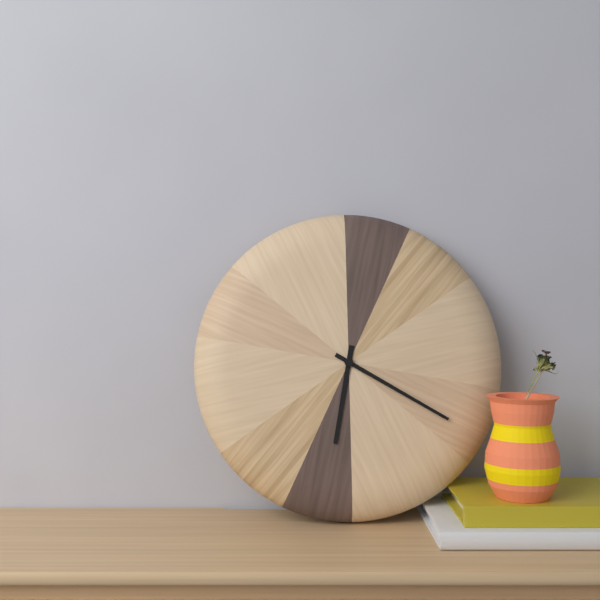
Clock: 6.20
